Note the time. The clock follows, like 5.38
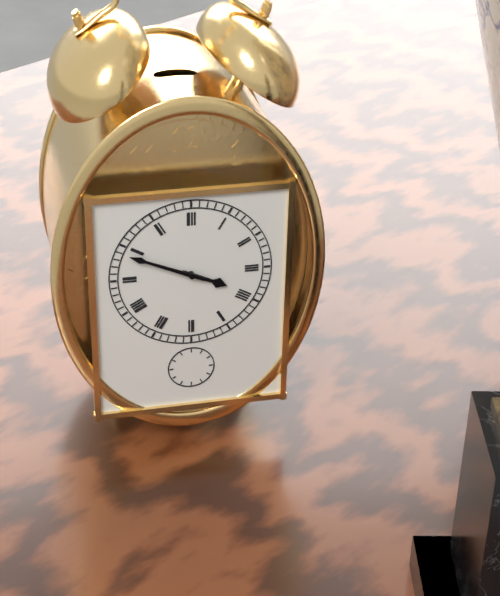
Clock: 3.49
